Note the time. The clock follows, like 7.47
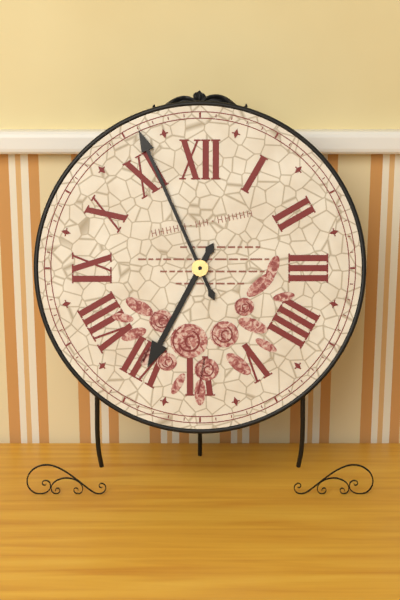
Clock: 6.56
